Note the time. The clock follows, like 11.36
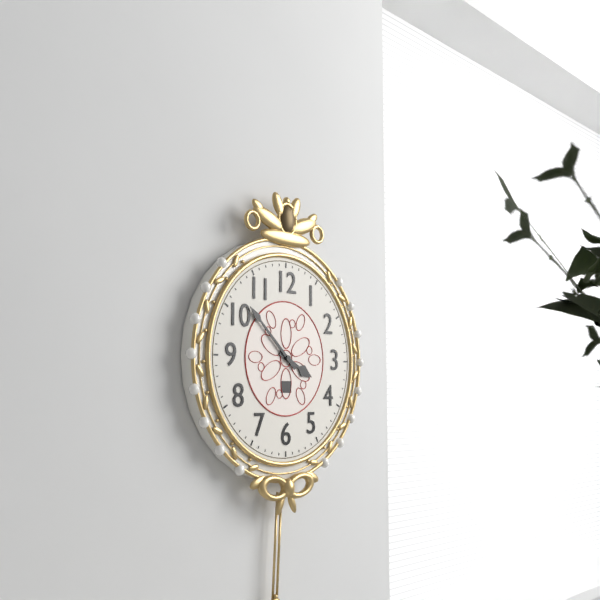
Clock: 3.52
